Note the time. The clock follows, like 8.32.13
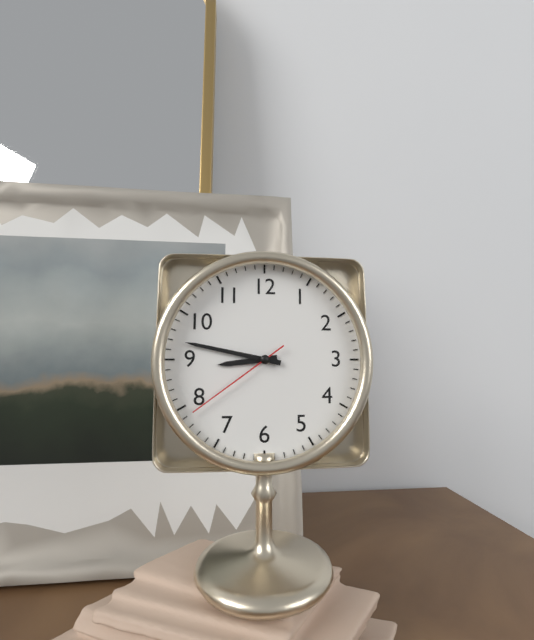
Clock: 8.47.39
